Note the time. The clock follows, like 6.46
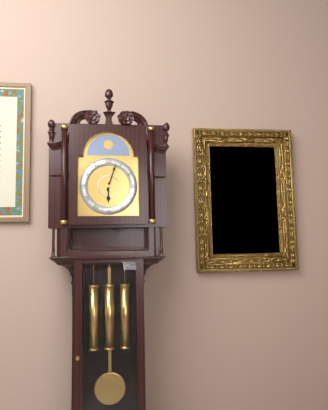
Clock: 6.03
